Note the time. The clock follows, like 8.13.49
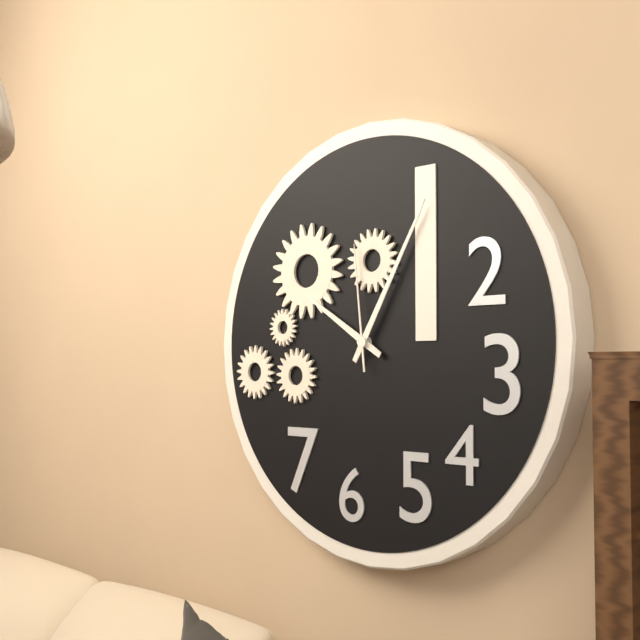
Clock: 10.05.59
